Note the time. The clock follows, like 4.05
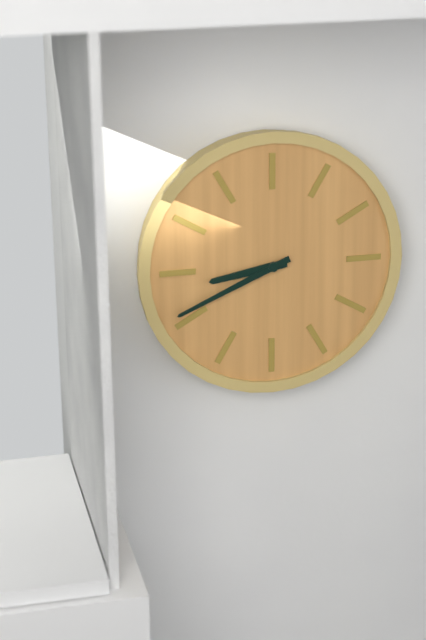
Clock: 8.41
